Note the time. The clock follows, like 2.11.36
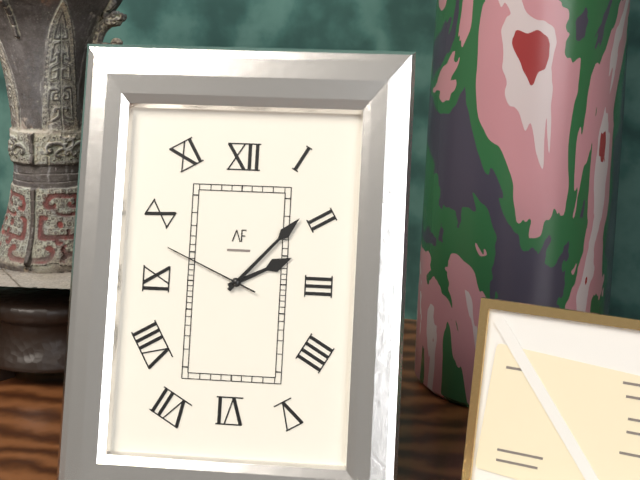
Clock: 2.07.49
